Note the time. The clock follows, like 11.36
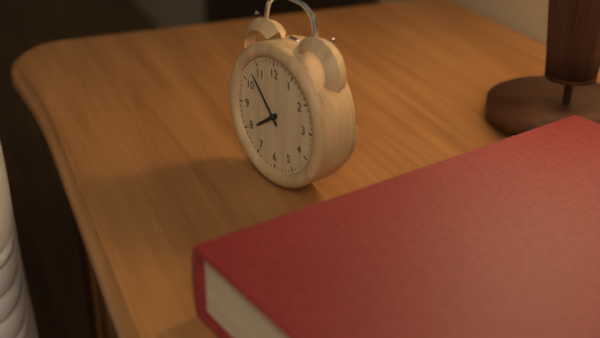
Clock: 7.53
